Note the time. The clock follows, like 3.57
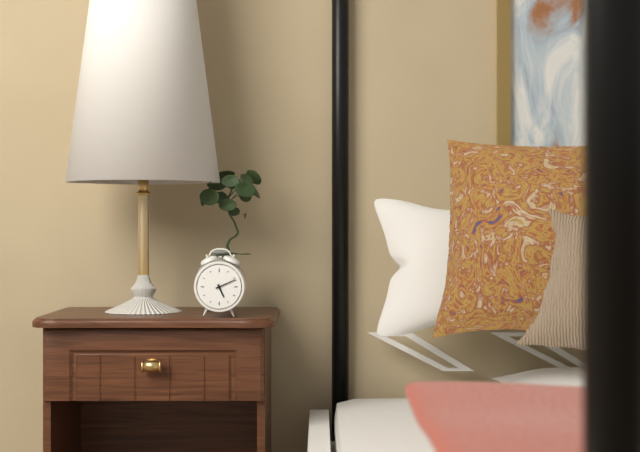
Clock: 5.11
